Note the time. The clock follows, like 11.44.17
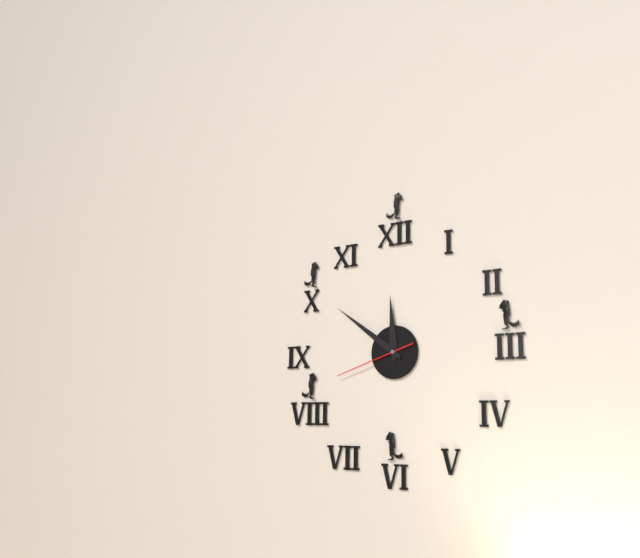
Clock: 11.51.42
